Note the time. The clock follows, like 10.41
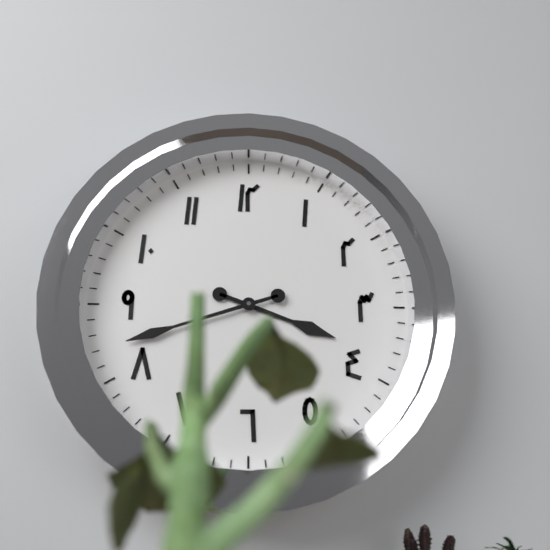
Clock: 3.42
